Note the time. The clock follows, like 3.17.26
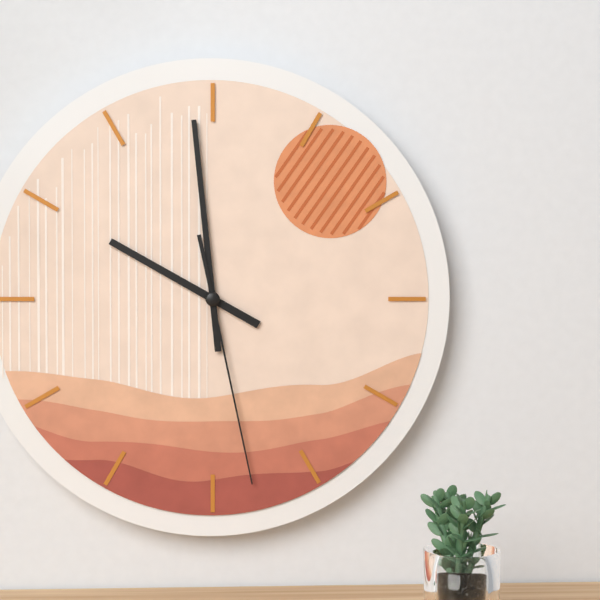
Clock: 9.59.28
